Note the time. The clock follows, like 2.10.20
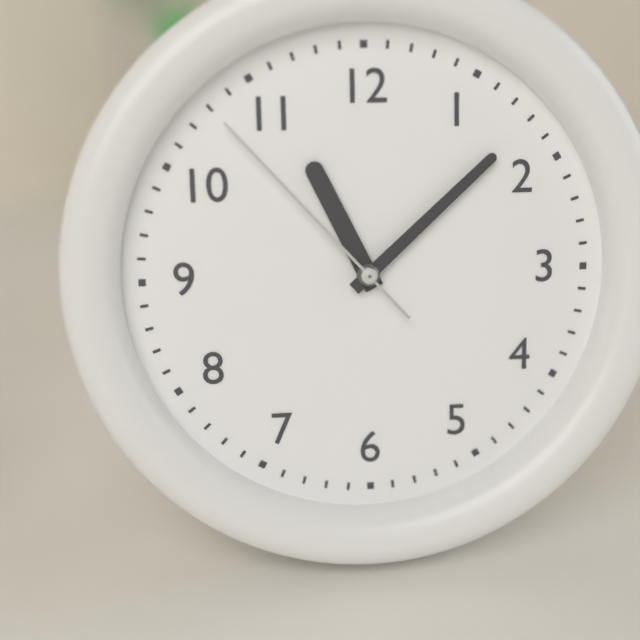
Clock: 11.08.53
